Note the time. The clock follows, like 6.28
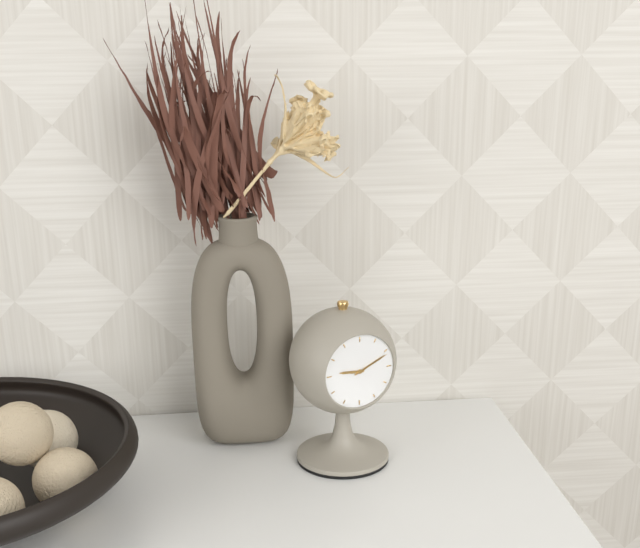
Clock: 9.11
